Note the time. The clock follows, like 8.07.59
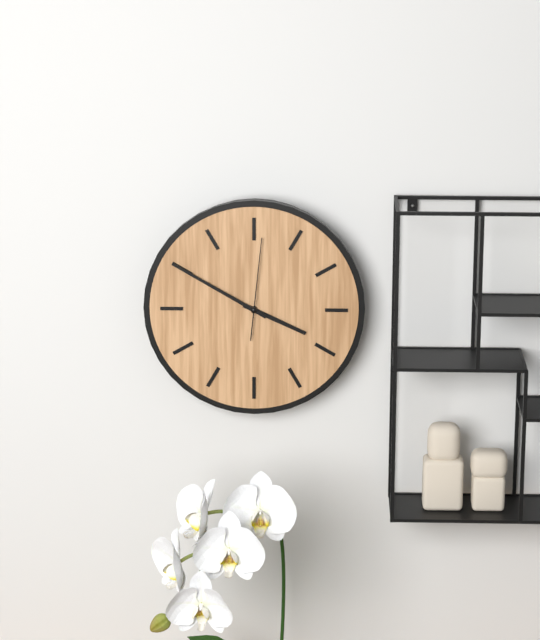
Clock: 3.50.01
